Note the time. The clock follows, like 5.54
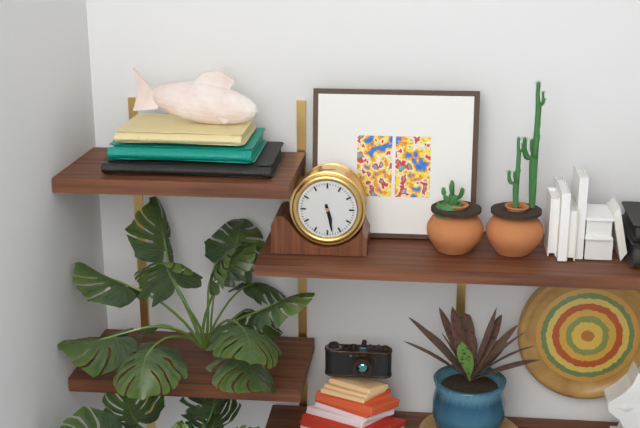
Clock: 5.28
